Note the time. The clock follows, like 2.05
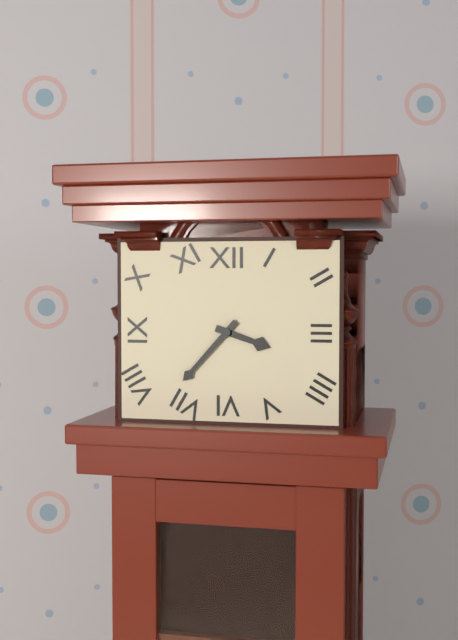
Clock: 3.37
